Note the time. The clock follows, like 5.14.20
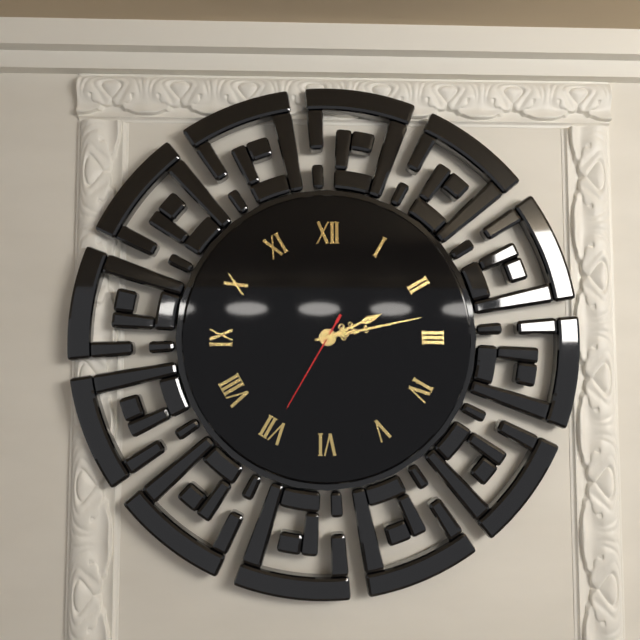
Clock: 2.13.35
